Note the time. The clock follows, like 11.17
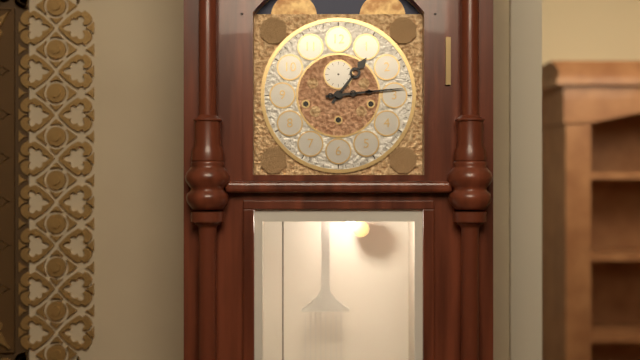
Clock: 1.14
